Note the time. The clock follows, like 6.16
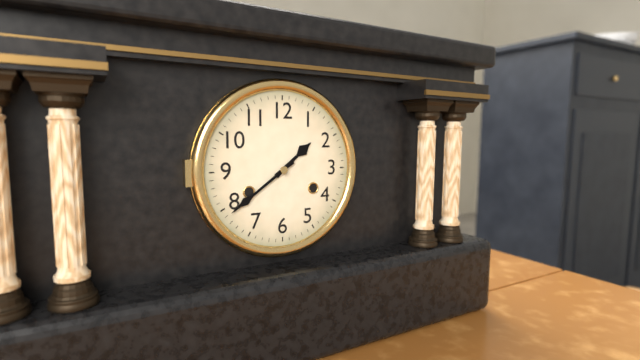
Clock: 1.39
